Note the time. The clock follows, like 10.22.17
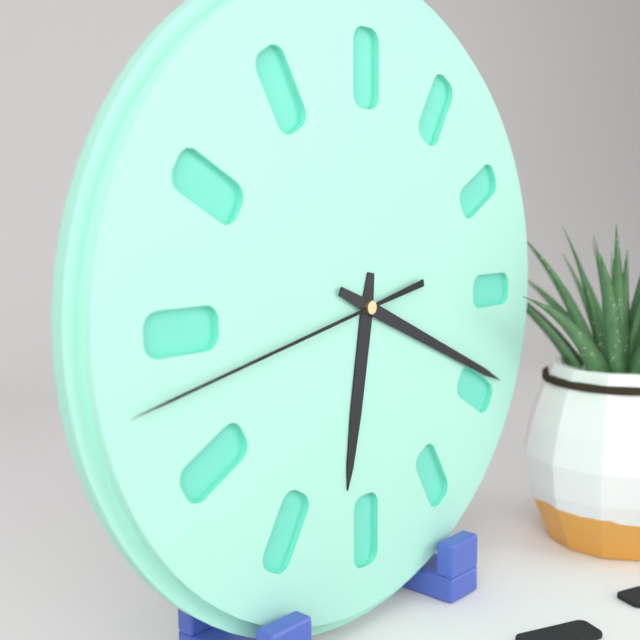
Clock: 6.19.43
